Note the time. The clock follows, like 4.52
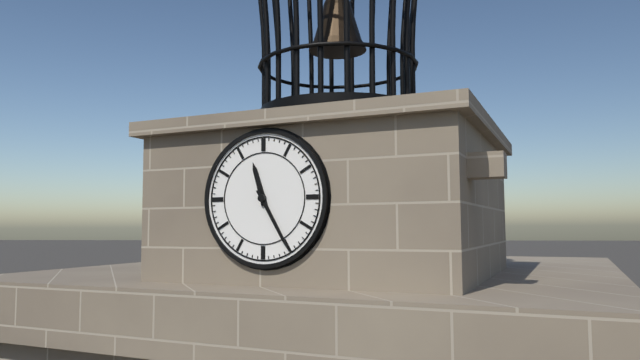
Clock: 11.25
